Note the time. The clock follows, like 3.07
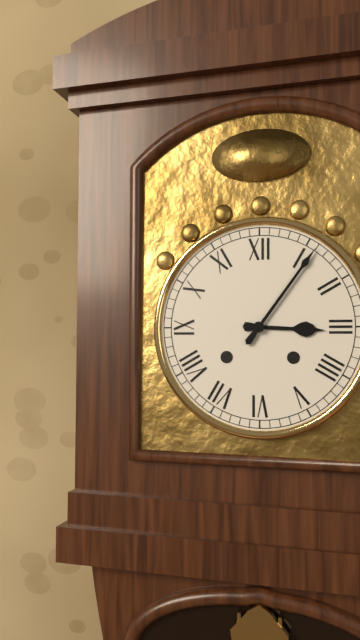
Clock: 3.06
